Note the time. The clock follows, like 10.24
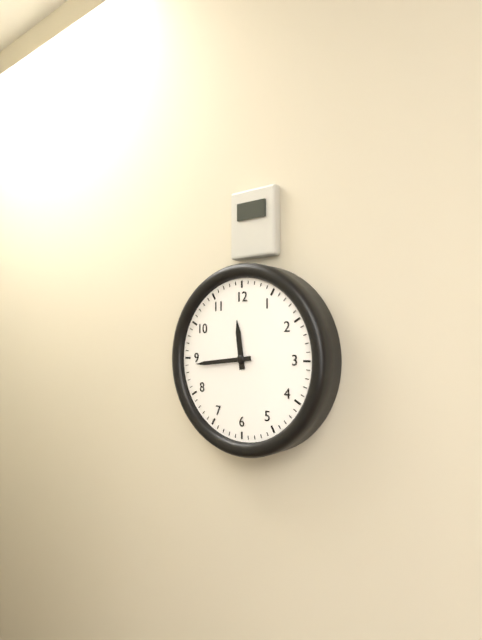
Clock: 11.44
